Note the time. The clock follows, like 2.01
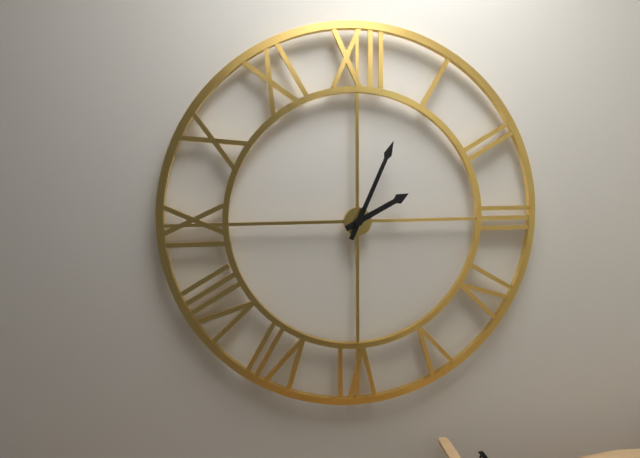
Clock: 2.04
